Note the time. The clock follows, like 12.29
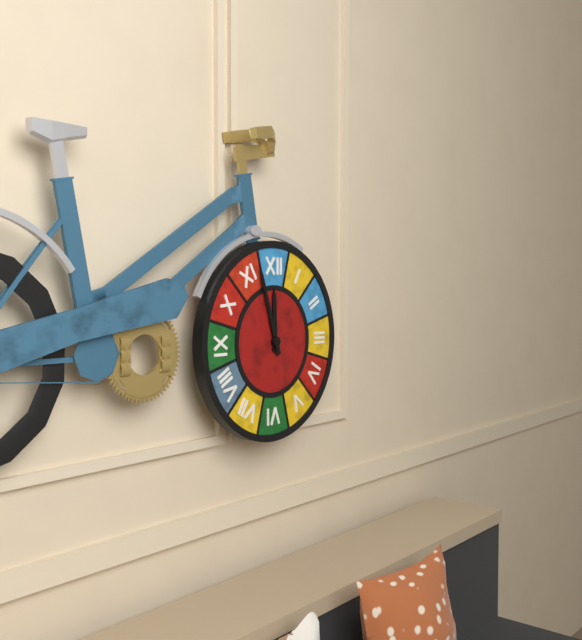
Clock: 11.57
